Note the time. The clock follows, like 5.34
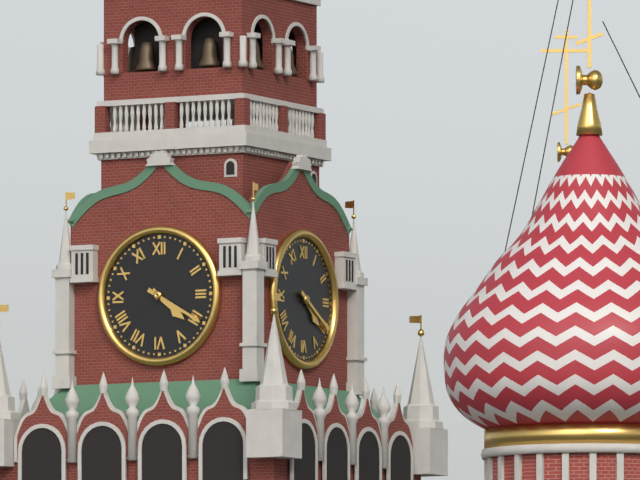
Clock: 4.20
